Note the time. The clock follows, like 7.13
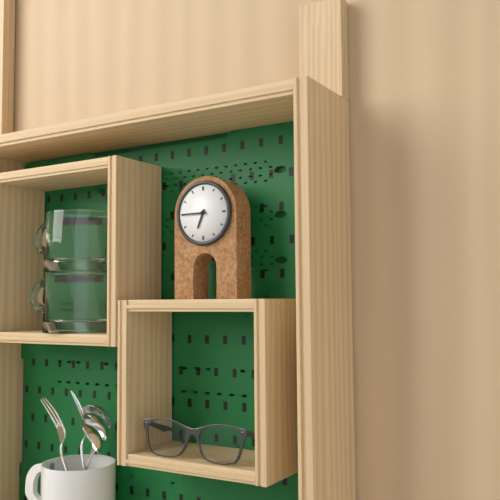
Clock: 6.45
